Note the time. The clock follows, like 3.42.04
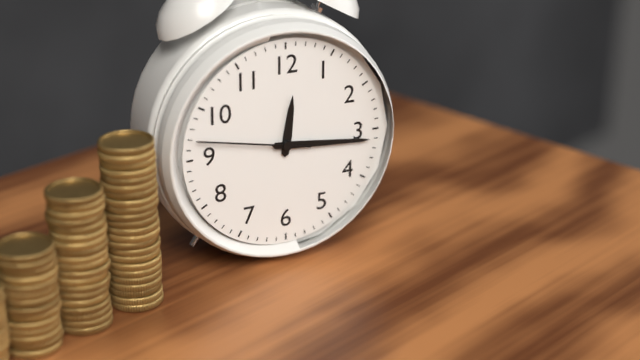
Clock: 12.16.47
